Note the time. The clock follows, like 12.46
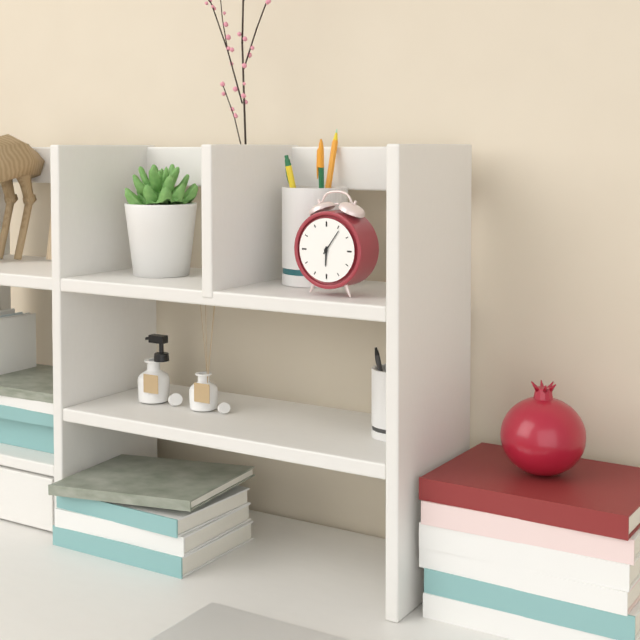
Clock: 6.06
